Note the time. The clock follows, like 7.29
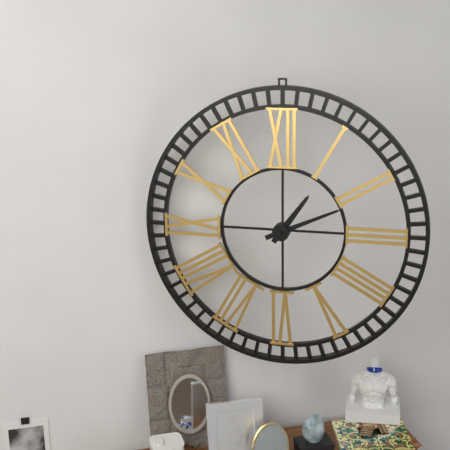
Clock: 1.11
